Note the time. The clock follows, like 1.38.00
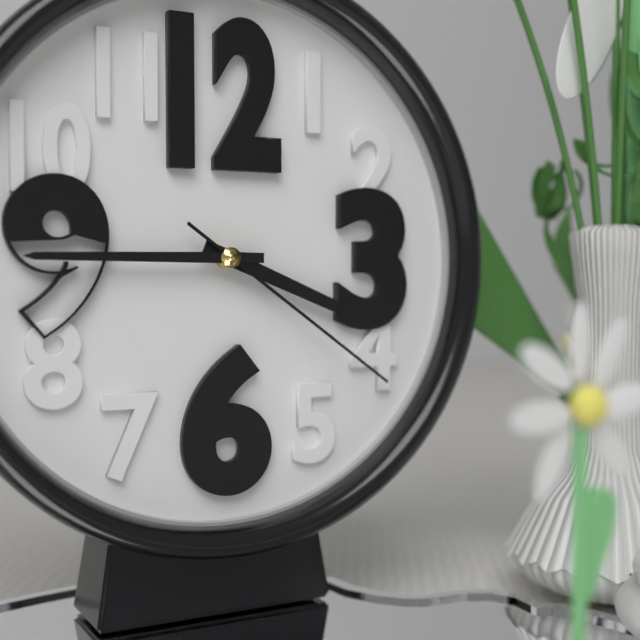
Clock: 3.45.21
